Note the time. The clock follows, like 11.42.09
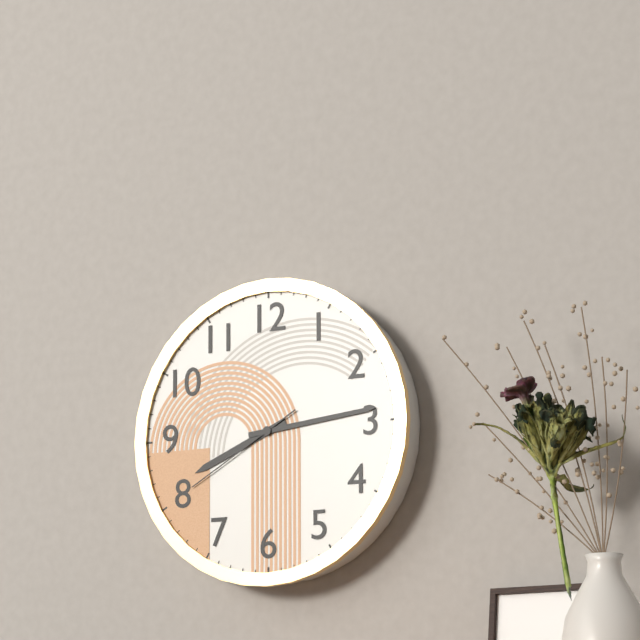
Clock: 8.14.40
